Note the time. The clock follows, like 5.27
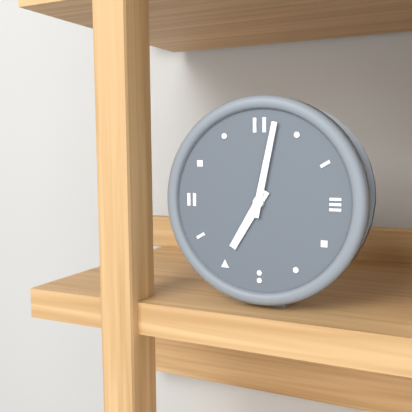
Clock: 7.02
